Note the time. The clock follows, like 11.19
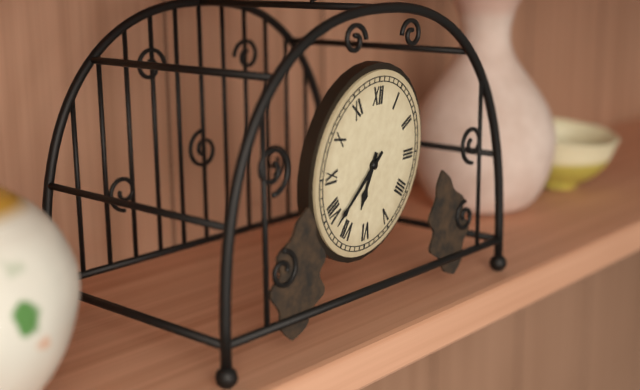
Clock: 6.38
